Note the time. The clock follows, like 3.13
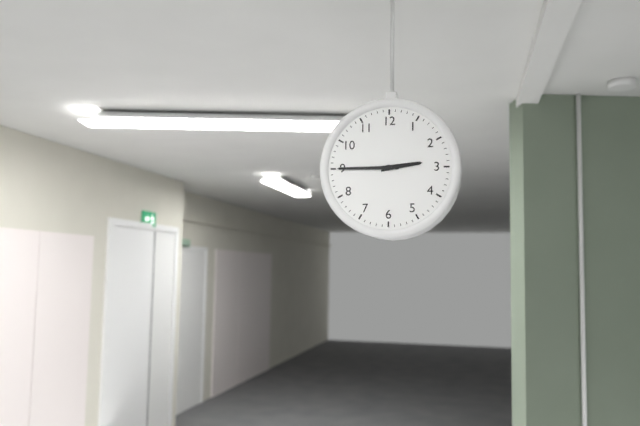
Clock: 2.45
